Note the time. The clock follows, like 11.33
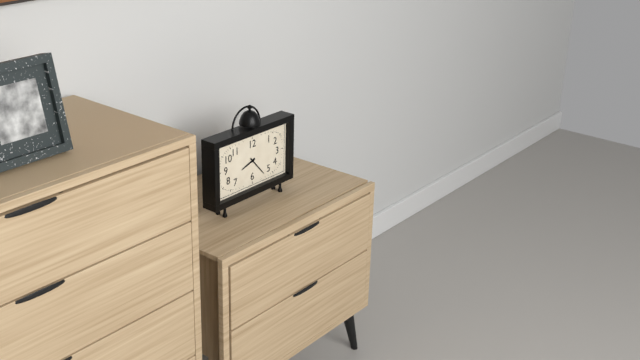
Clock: 8.23
